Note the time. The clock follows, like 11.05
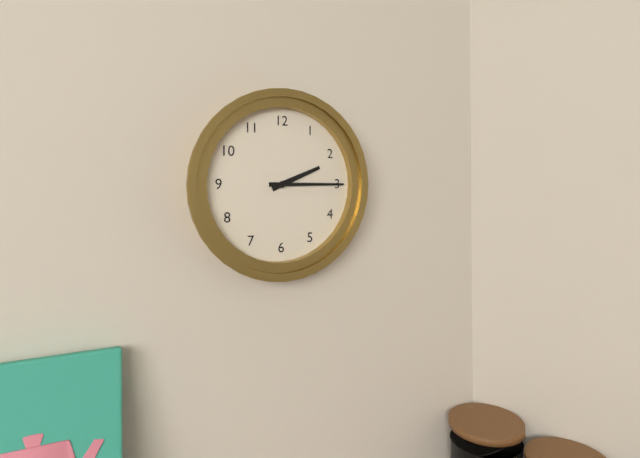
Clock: 2.15
